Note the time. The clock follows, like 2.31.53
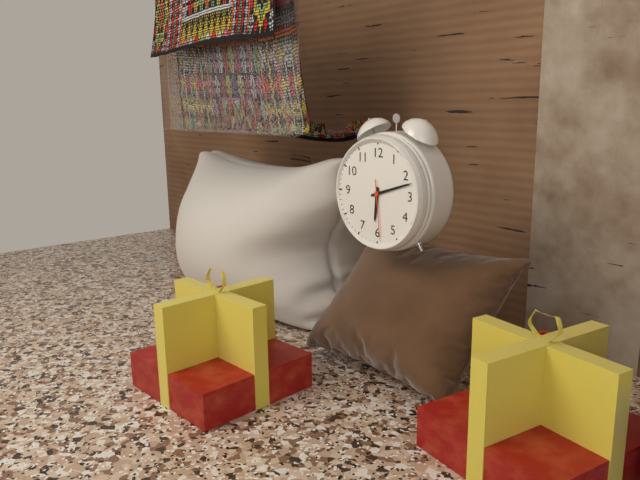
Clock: 6.12.29
